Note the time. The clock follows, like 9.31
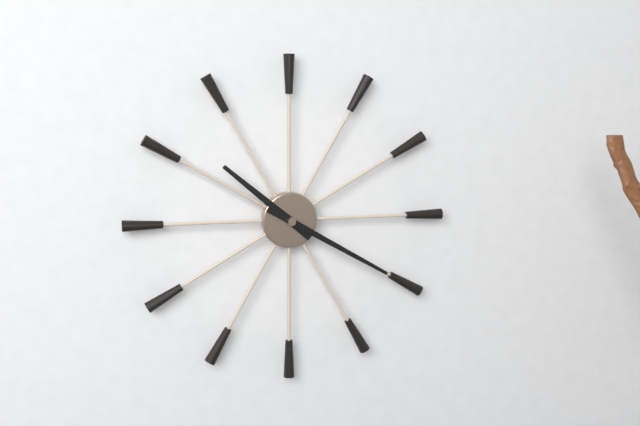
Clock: 10.20
